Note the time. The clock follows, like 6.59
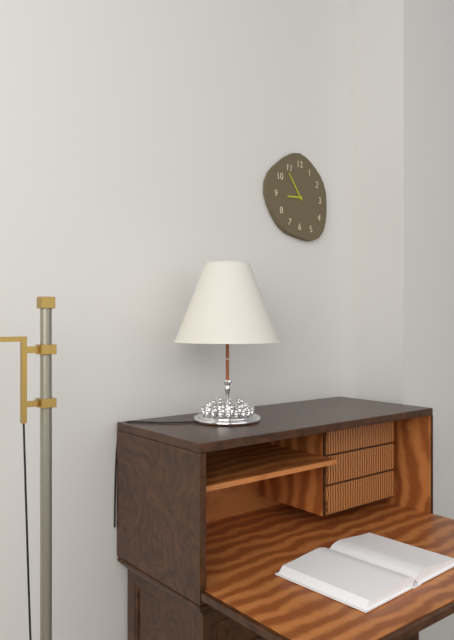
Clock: 8.54
